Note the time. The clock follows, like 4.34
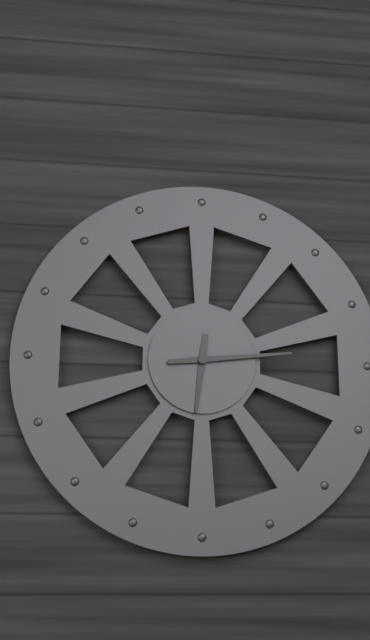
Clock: 6.14
